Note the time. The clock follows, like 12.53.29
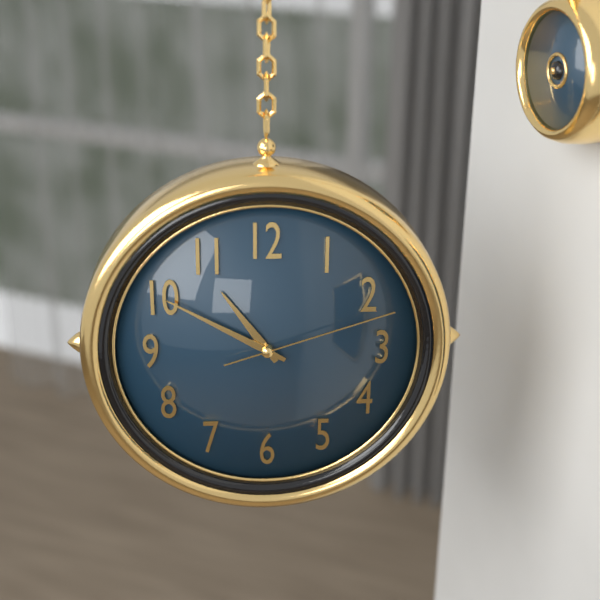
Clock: 10.50.12
